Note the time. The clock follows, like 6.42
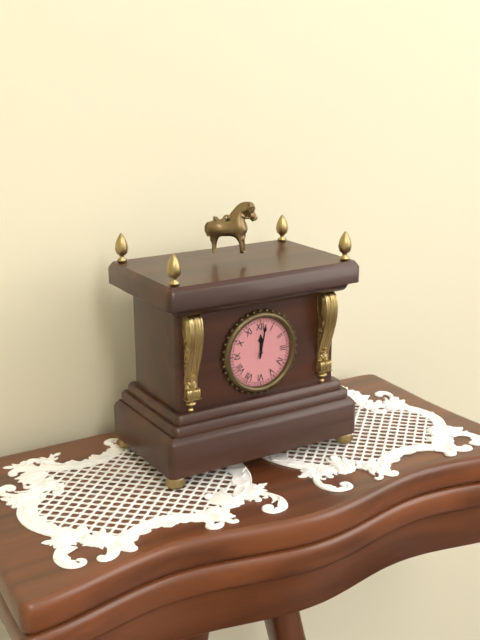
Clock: 12.02
